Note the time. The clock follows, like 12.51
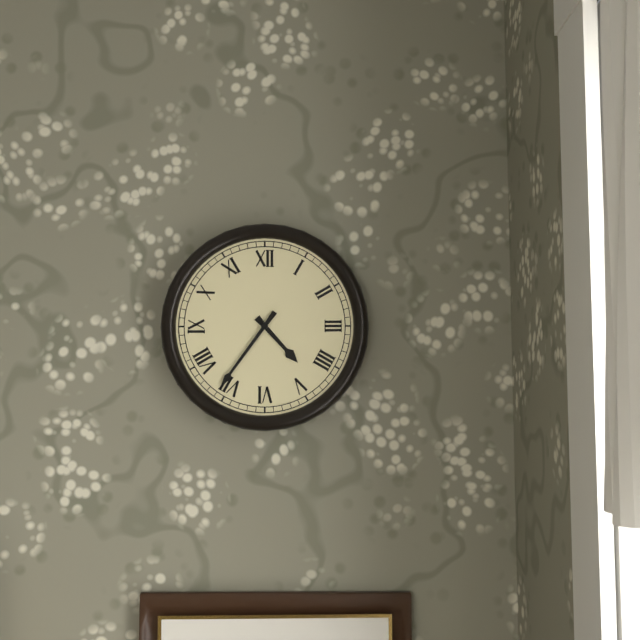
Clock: 4.36
